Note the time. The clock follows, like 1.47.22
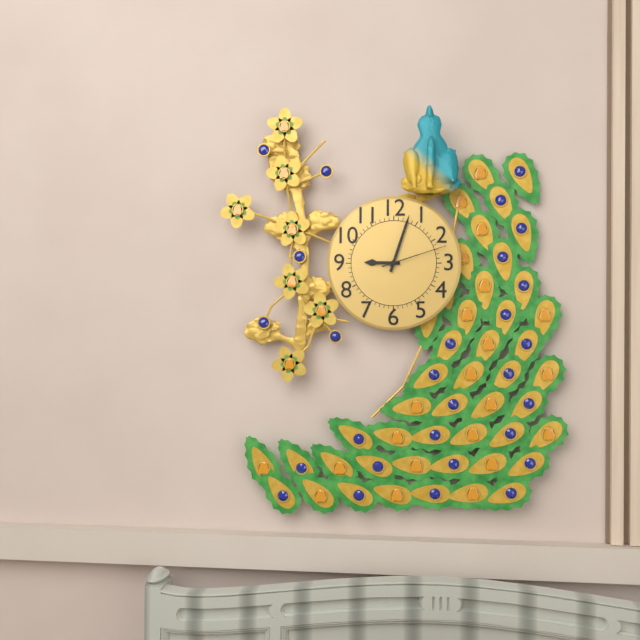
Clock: 9.03.12
